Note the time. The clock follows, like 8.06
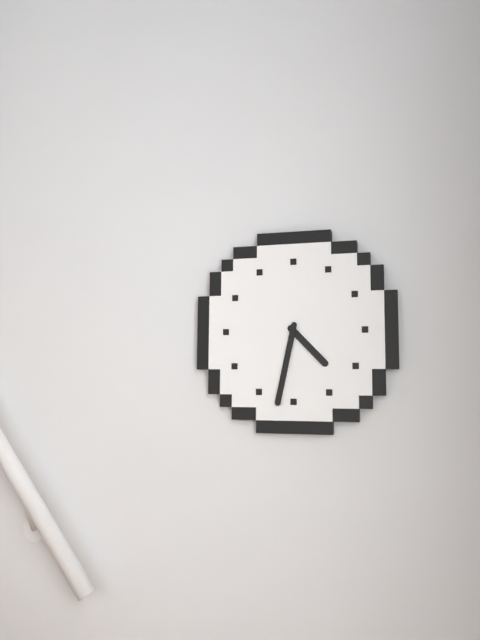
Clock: 4.32
